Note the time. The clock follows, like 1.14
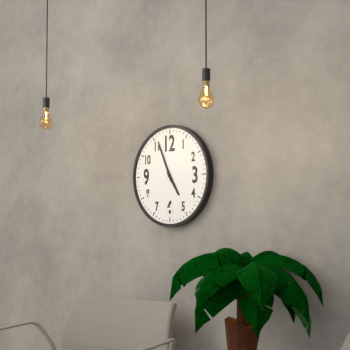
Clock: 4.56
